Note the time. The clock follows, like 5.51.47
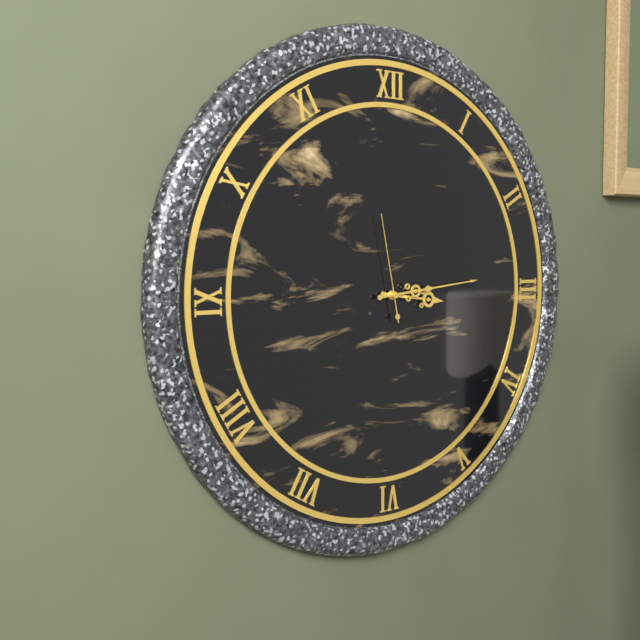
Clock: 3.14.58
